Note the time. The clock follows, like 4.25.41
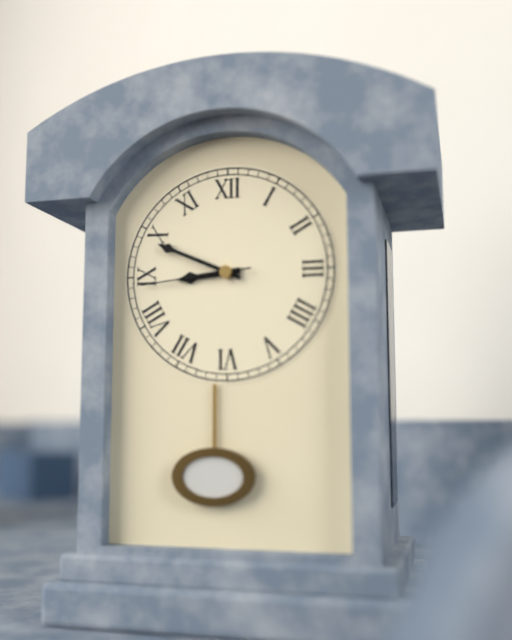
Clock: 8.49.44
